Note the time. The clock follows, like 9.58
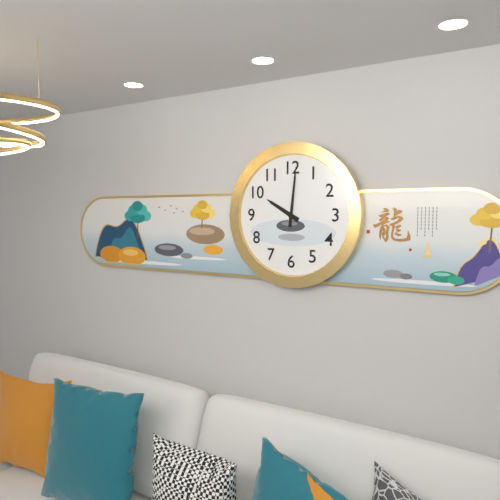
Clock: 10.01
